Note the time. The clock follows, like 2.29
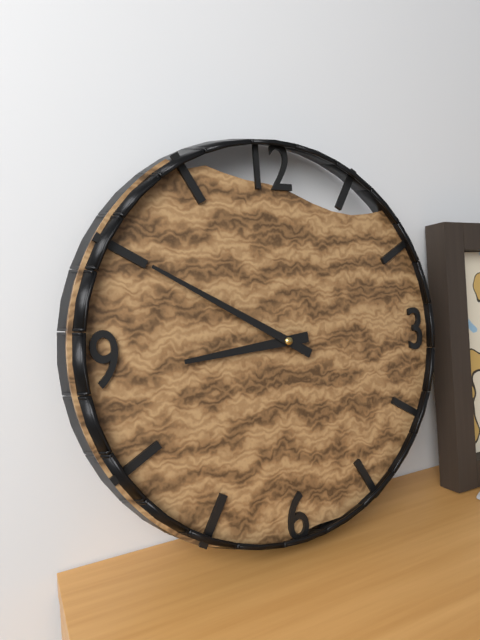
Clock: 8.50
